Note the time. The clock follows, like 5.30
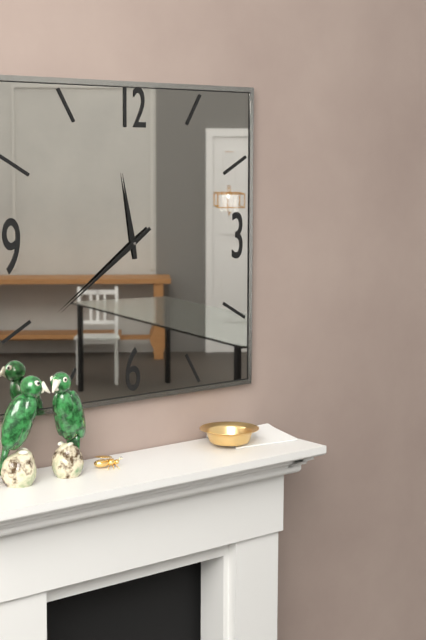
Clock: 11.39
